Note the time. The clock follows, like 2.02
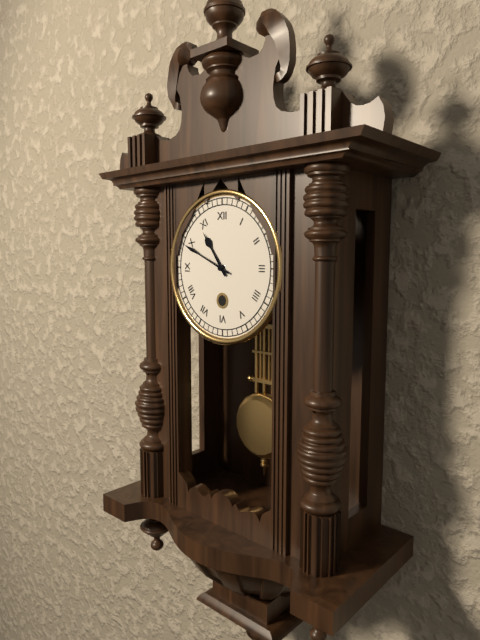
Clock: 10.49
